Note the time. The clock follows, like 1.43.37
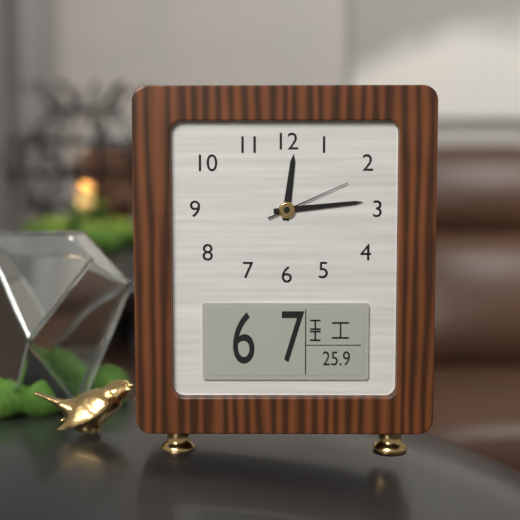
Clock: 12.14.11
